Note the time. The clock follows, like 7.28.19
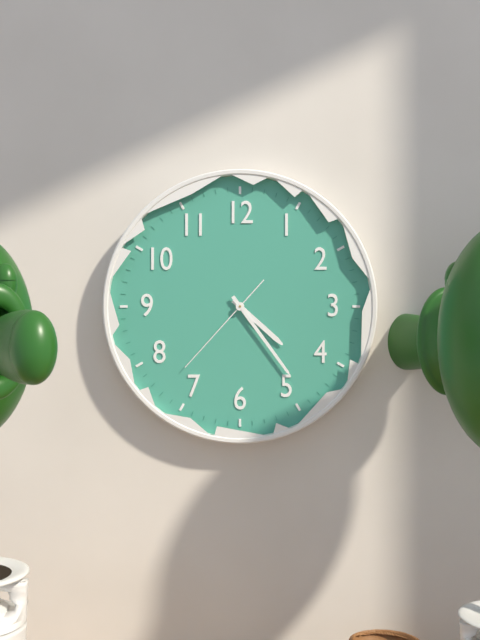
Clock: 4.24.37
